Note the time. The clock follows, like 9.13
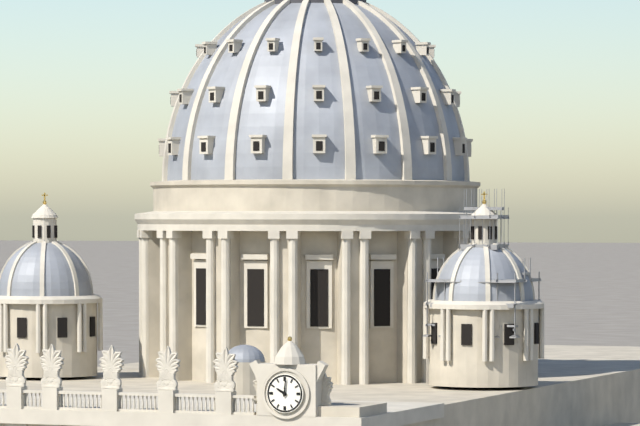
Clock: 10.01
